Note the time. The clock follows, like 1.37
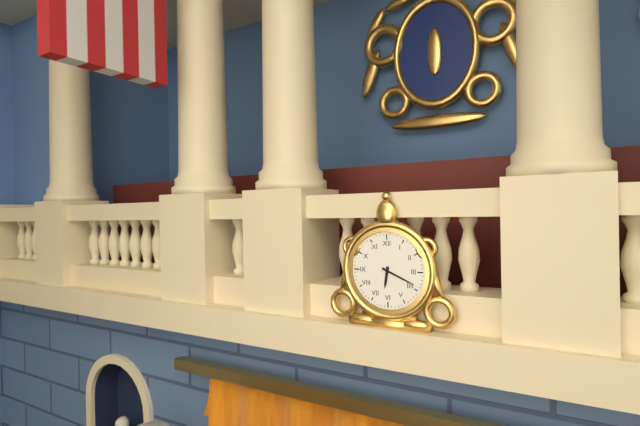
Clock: 6.19
